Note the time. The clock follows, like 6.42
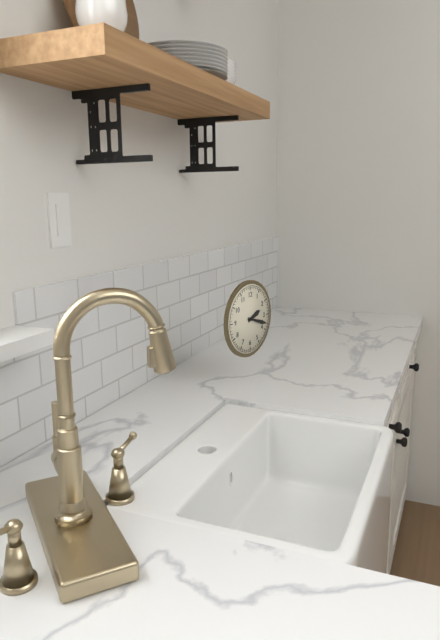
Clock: 2.18
